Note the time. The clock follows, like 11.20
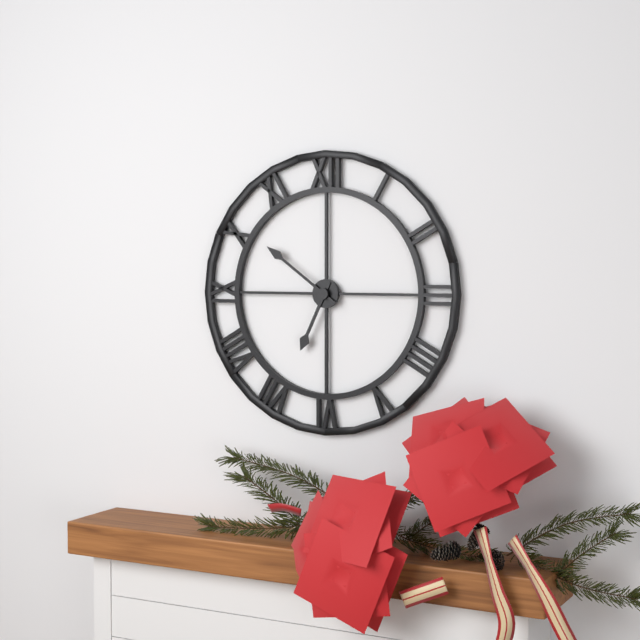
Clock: 6.51
